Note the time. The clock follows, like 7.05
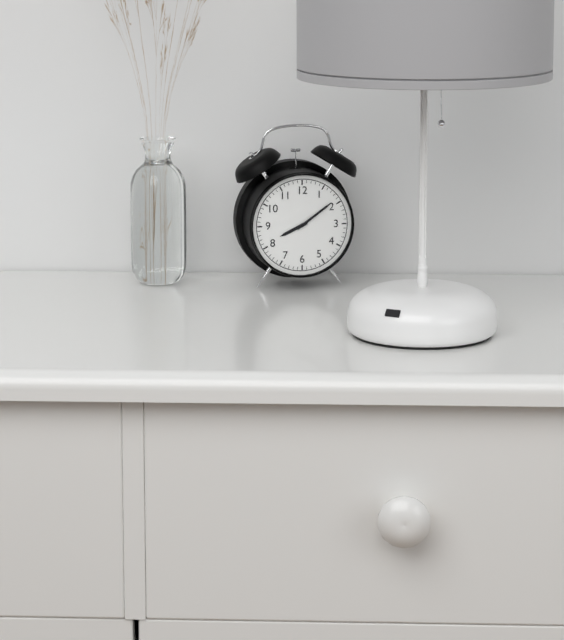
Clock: 8.09
